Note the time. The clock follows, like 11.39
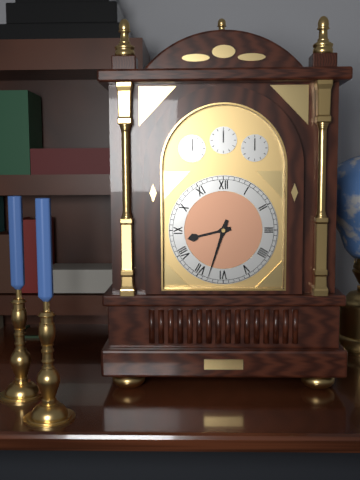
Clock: 8.33
